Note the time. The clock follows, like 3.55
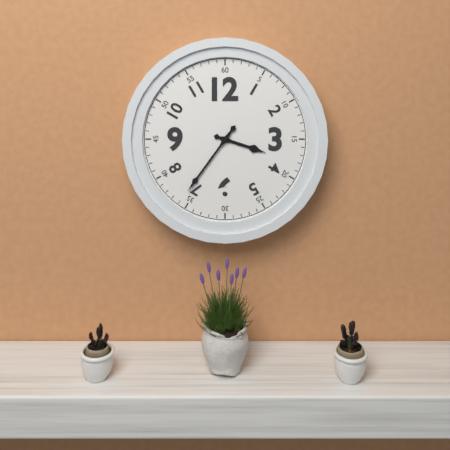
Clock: 3.36
